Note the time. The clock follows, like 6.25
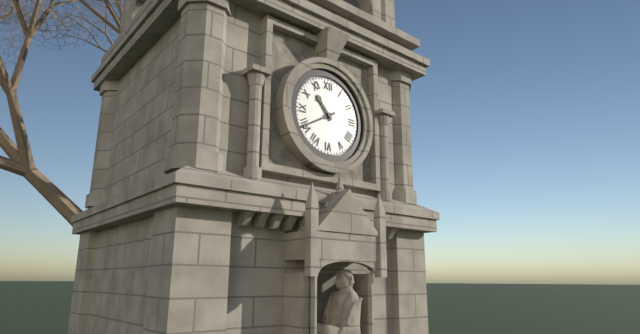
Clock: 10.40
